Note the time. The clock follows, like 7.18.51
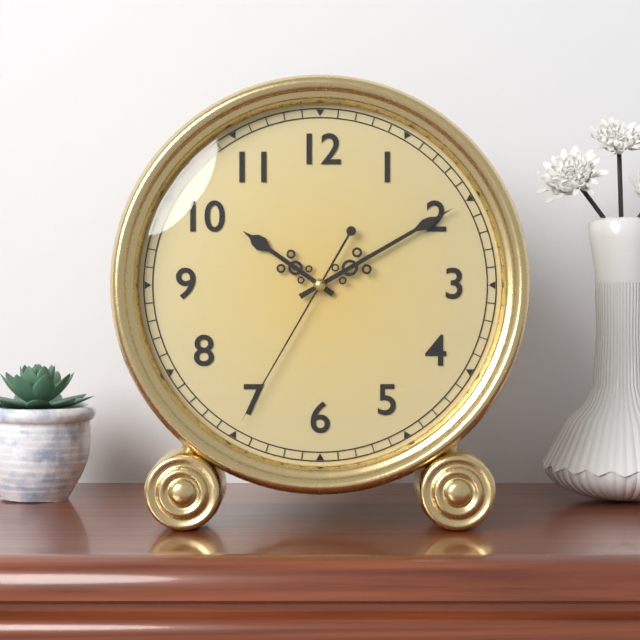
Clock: 10.10.35
